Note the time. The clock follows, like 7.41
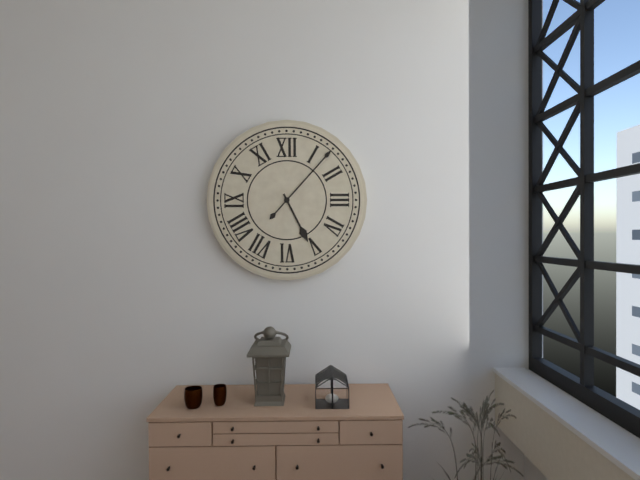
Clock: 5.07
